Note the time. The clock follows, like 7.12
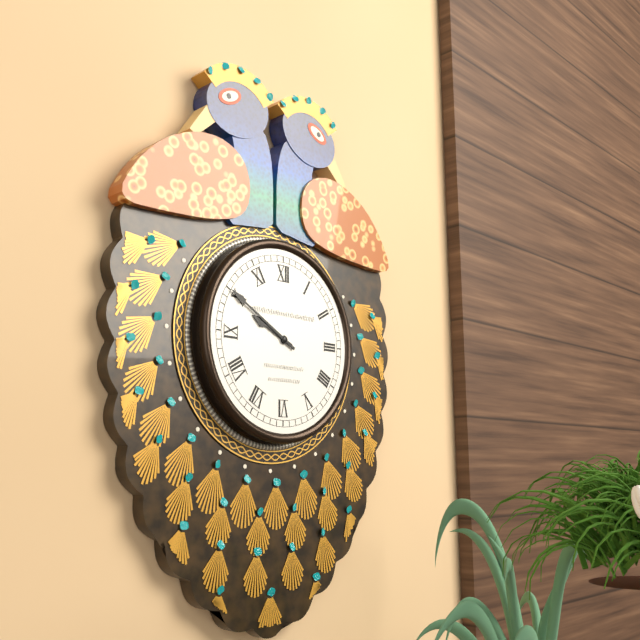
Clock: 9.50
